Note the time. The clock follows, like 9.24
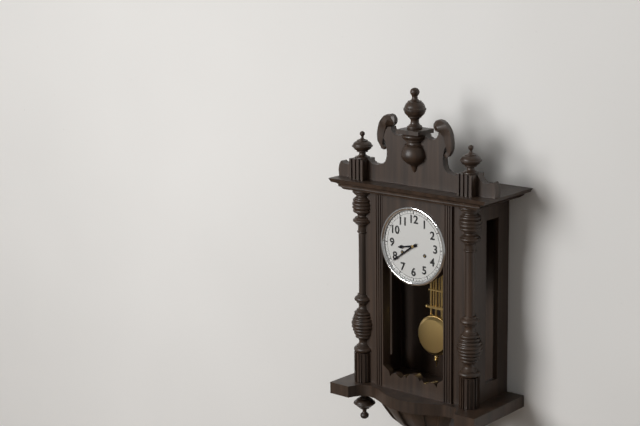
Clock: 8.39
